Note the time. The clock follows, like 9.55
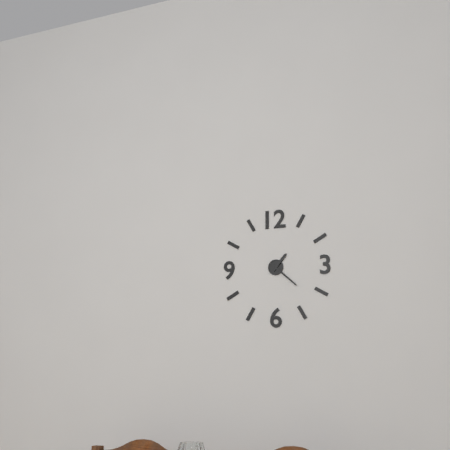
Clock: 1.22
